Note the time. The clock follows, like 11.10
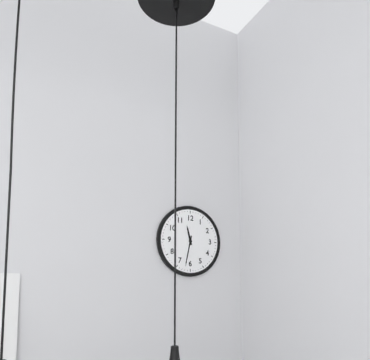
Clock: 11.32
